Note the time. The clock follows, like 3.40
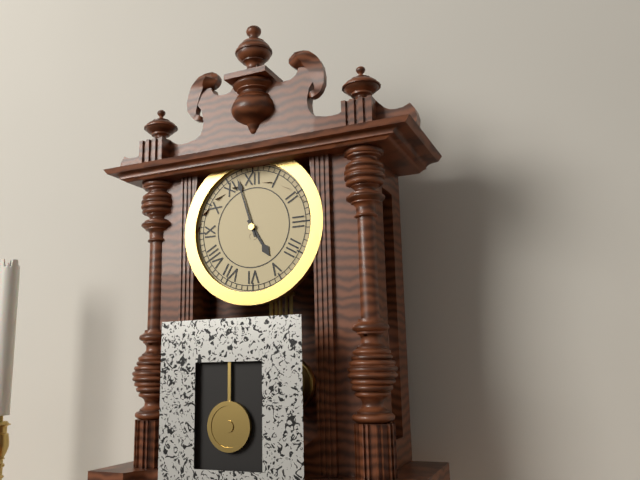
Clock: 4.57
